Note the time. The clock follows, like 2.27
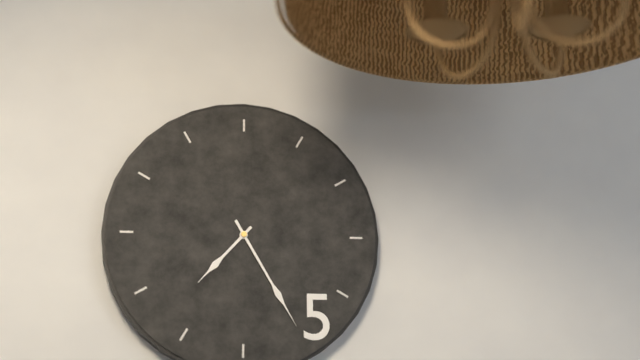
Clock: 7.25
